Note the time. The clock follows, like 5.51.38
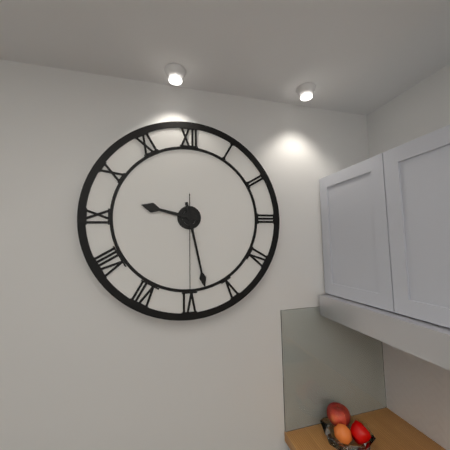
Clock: 9.28.30
